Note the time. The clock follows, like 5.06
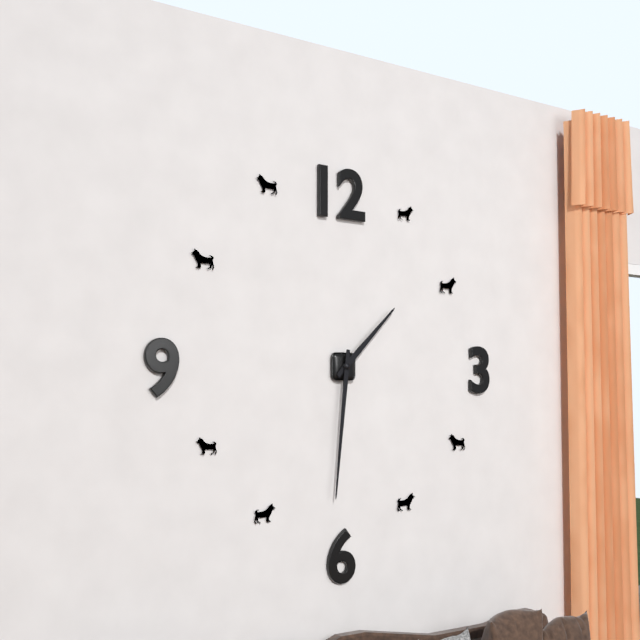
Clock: 1.31
